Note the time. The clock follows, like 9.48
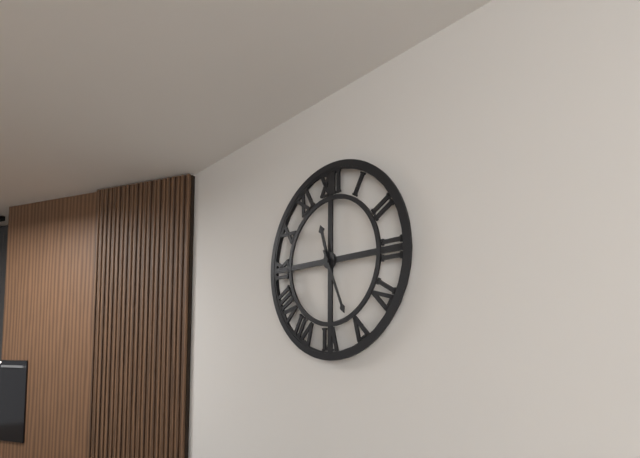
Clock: 11.26
